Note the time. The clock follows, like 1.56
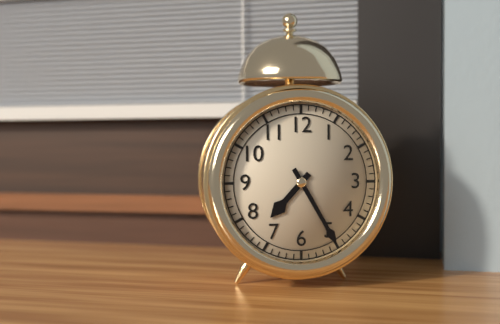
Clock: 7.25
